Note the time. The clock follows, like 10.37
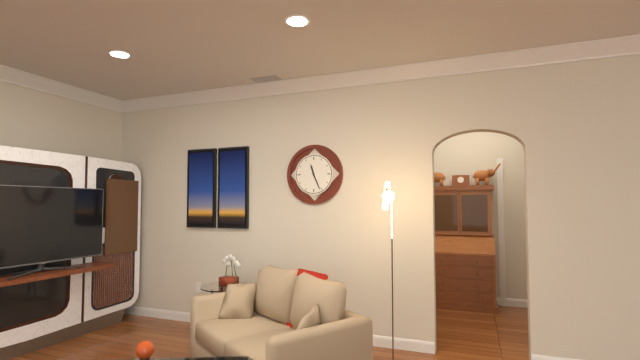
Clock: 11.26
